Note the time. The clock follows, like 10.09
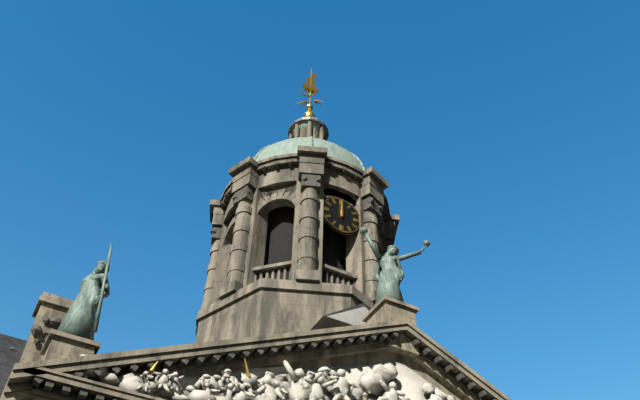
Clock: 12.00
